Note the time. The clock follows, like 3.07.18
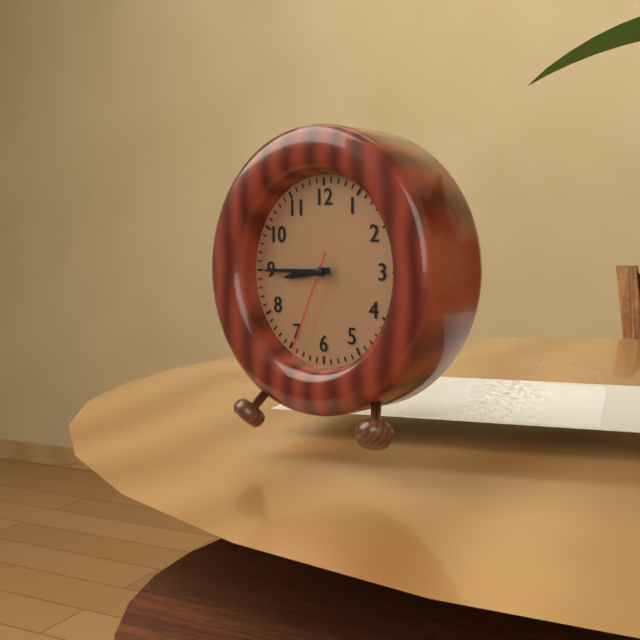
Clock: 8.45.34
